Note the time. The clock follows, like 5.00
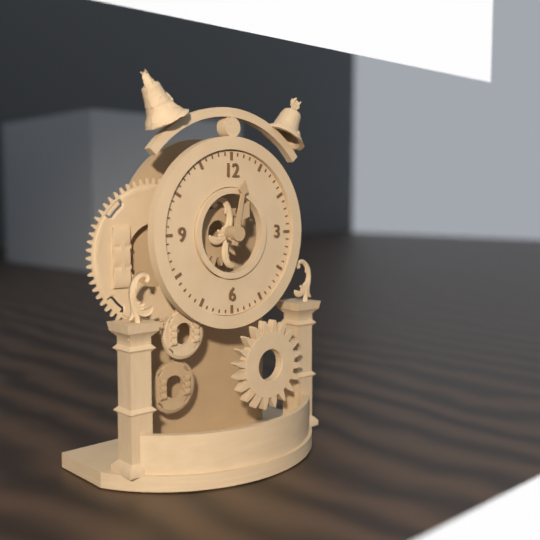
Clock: 1.02
